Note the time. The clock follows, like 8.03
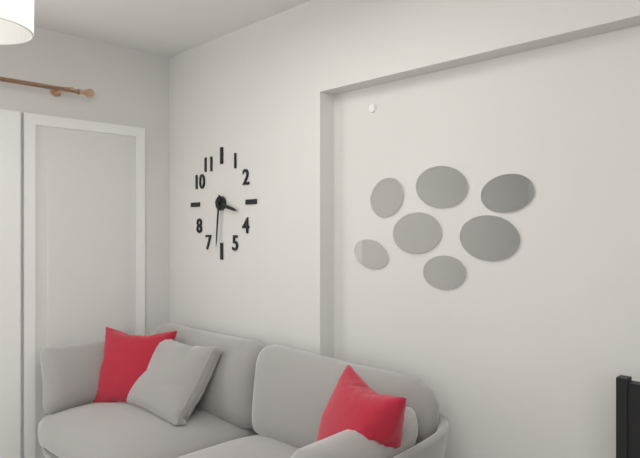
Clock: 3.31
